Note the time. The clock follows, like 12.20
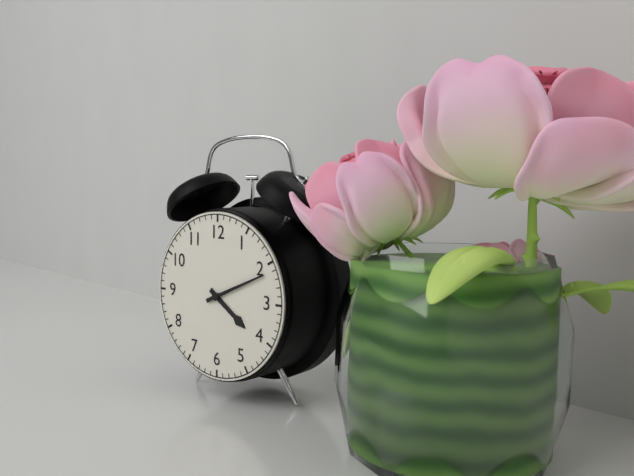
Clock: 4.11
